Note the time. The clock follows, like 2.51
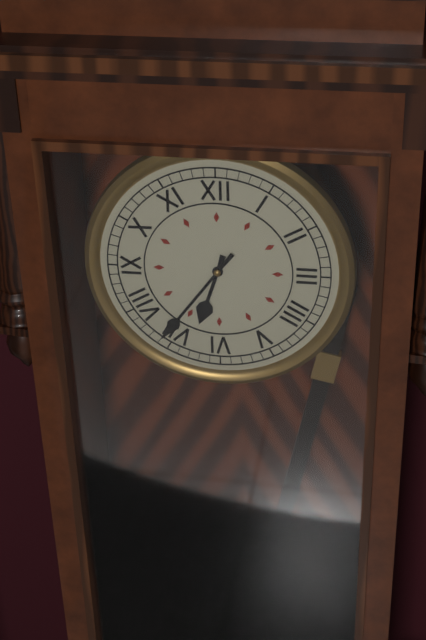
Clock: 6.36
